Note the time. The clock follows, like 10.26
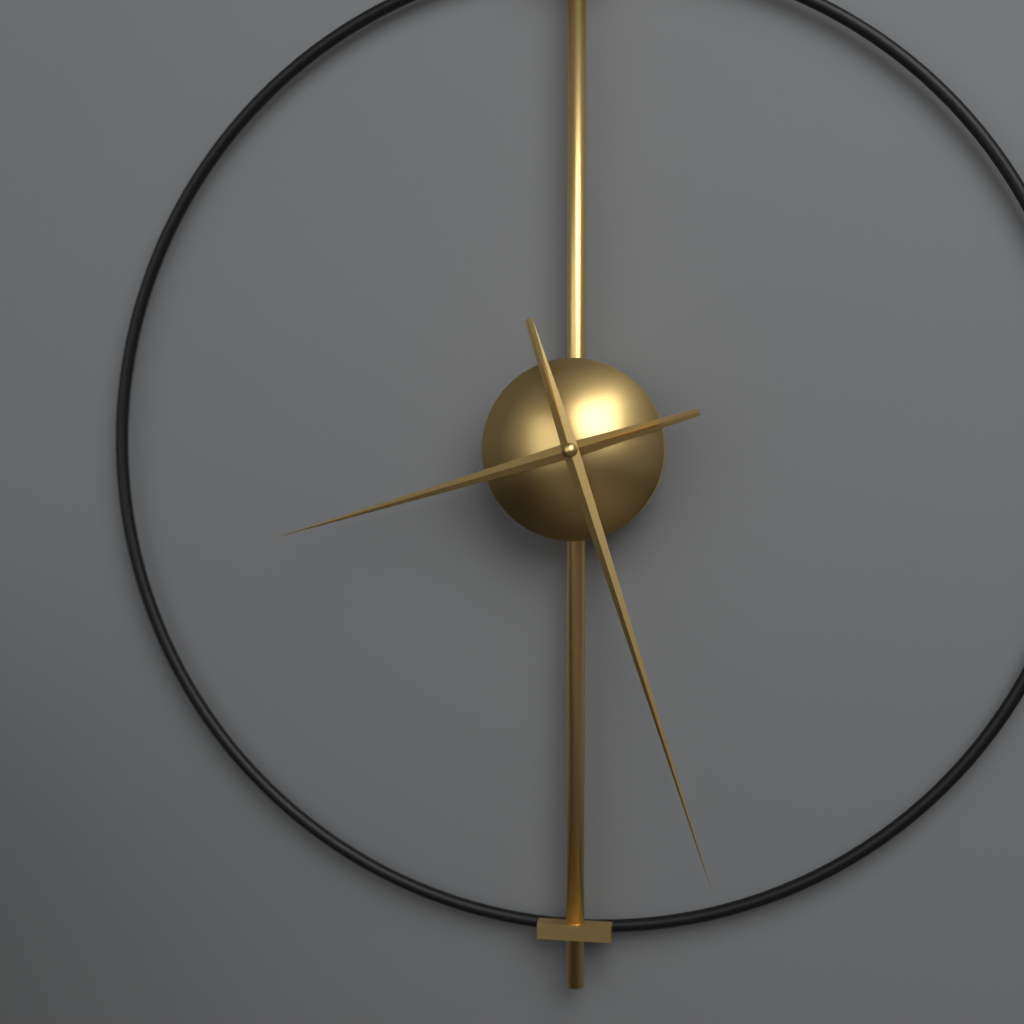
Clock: 8.27
